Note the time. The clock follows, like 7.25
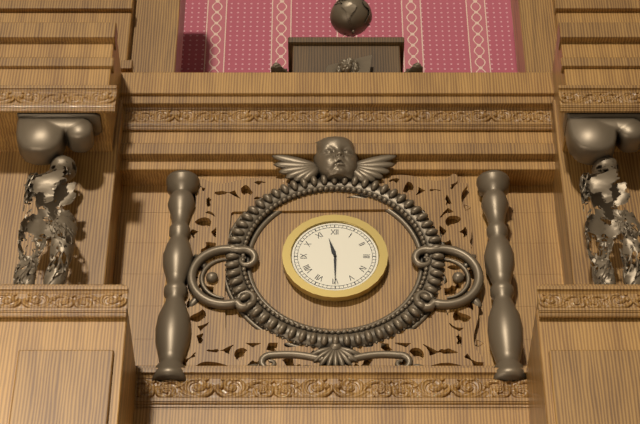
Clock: 11.30
